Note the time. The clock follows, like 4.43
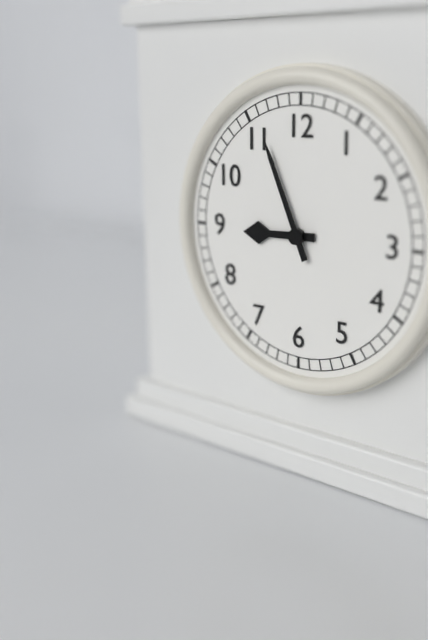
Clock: 8.56
